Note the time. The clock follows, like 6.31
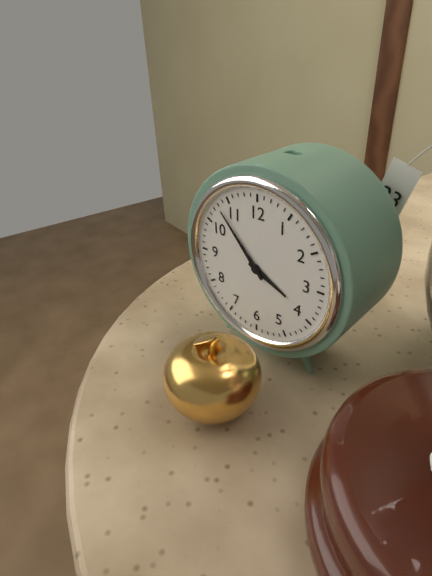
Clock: 3.53
